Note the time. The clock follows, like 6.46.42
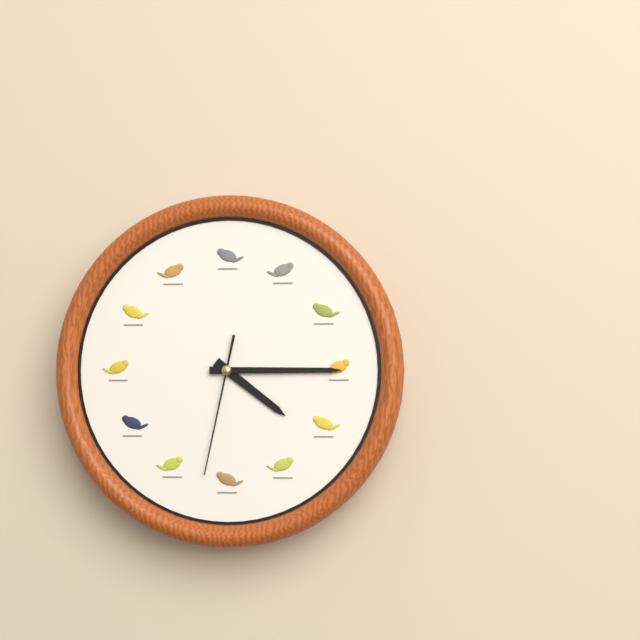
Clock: 4.15.32
